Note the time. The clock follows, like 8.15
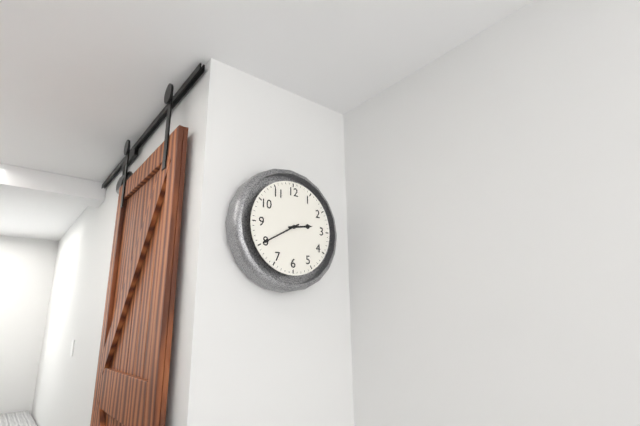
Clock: 2.40
